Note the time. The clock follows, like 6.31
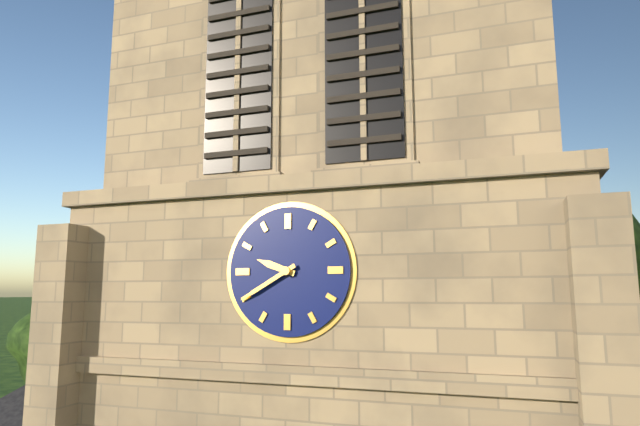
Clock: 9.40
